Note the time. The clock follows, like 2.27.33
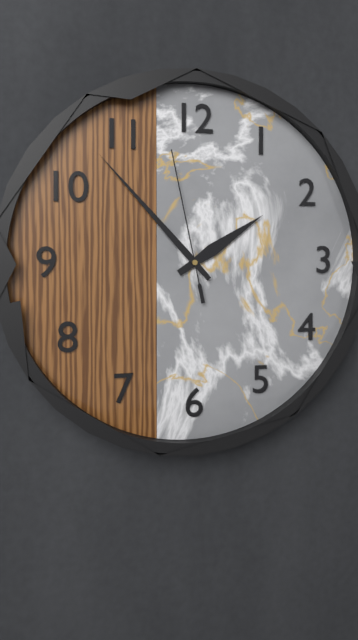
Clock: 1.53.58
